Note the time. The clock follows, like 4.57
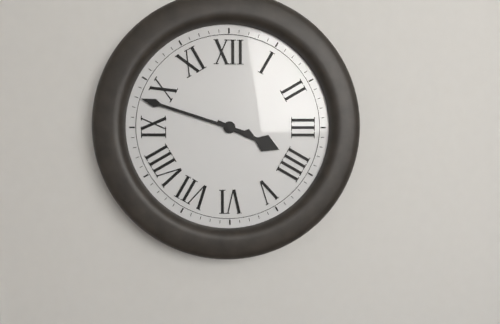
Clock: 3.48
